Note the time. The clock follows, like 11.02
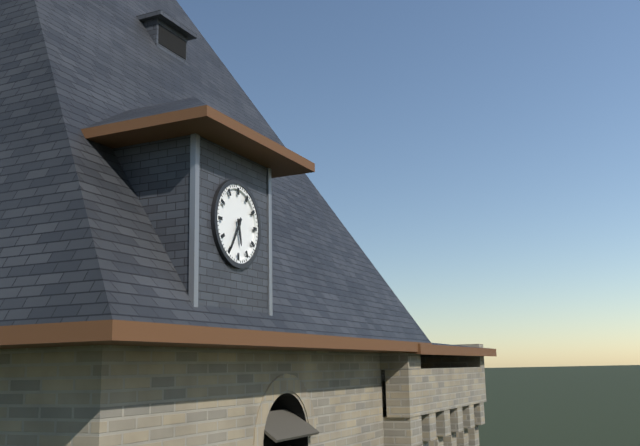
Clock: 5.35
